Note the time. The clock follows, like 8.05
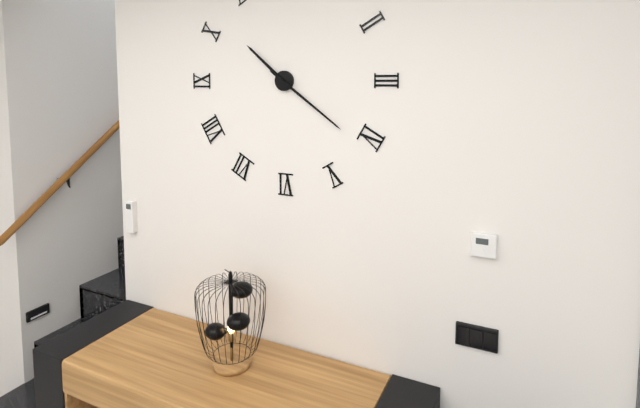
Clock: 10.21
